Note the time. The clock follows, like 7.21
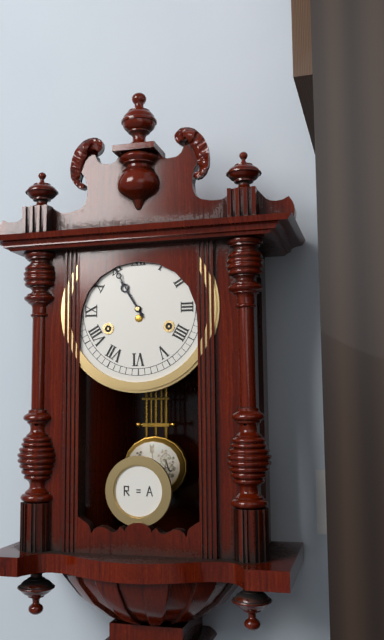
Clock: 10.55
